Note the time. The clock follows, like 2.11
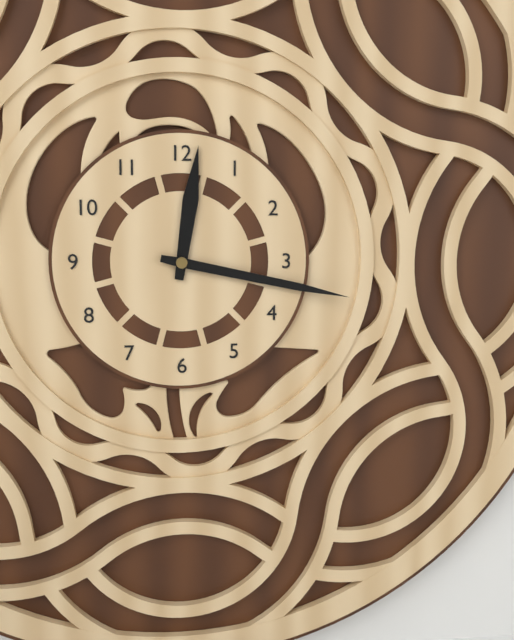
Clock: 12.17
